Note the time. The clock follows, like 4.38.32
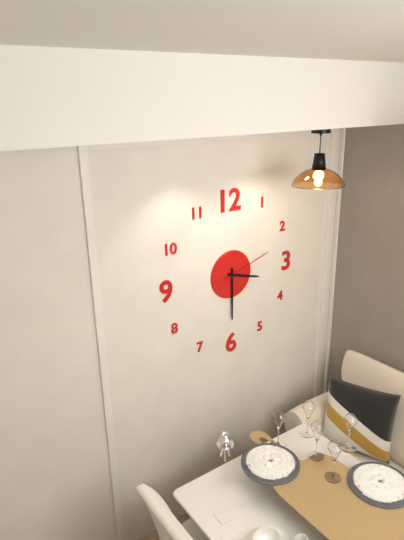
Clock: 3.30.12
